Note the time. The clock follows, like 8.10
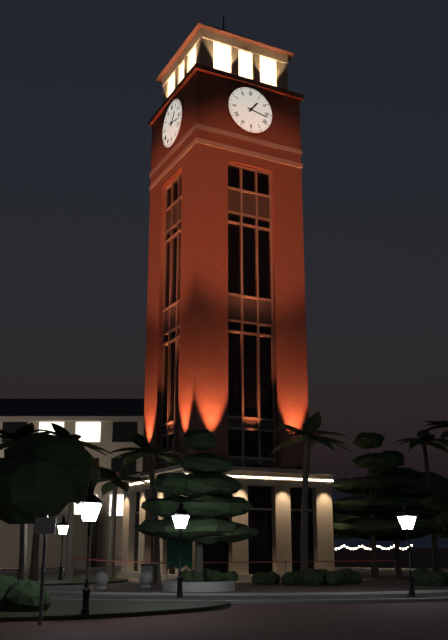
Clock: 1.17
